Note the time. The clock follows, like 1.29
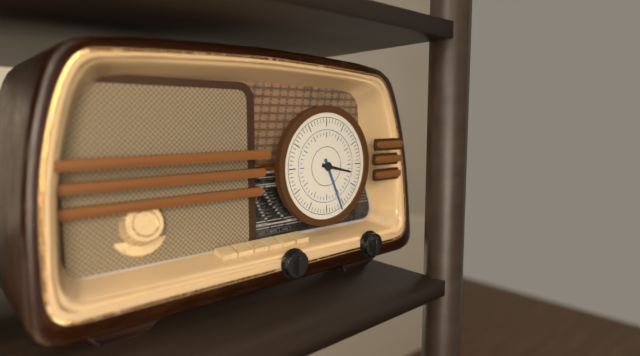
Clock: 3.26
